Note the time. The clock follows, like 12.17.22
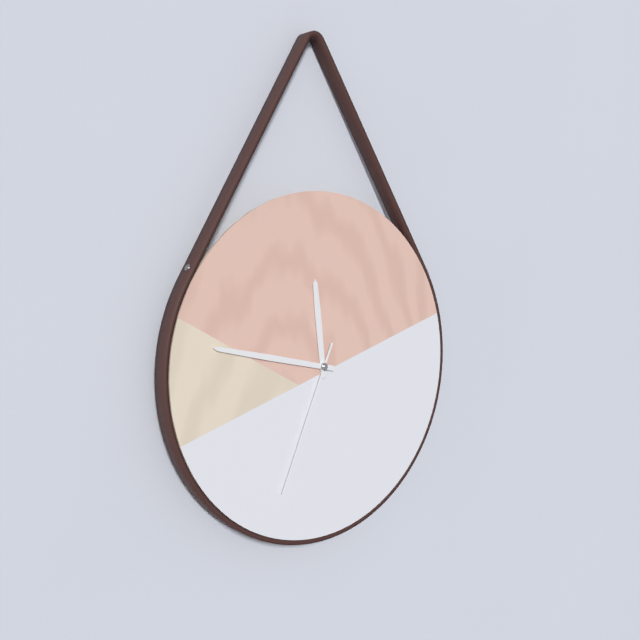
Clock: 11.47.34
